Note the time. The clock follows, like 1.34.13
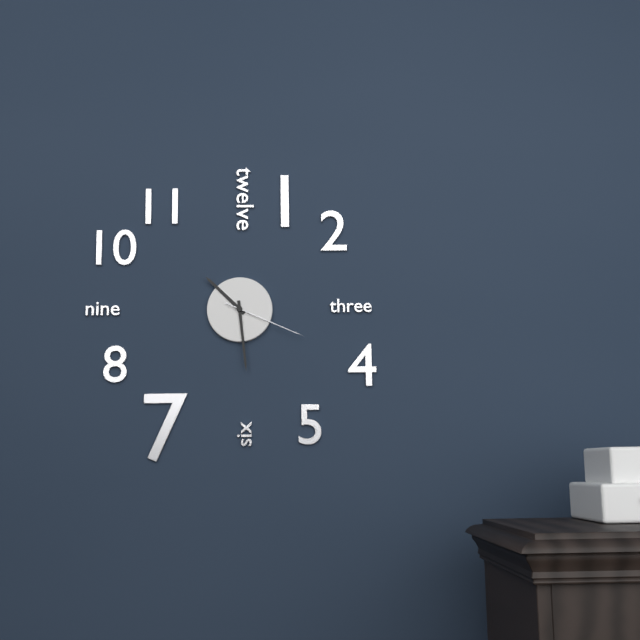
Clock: 10.29.19
